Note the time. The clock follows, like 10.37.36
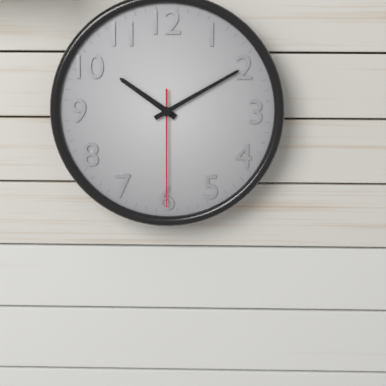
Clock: 10.10.30
